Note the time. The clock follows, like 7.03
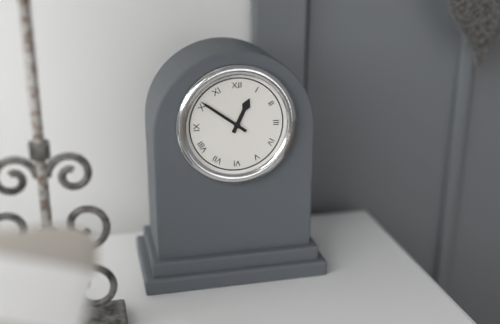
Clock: 12.51
